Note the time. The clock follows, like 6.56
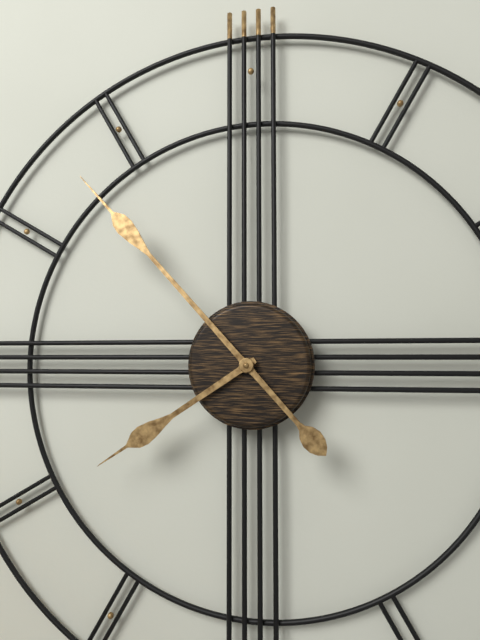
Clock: 7.53
